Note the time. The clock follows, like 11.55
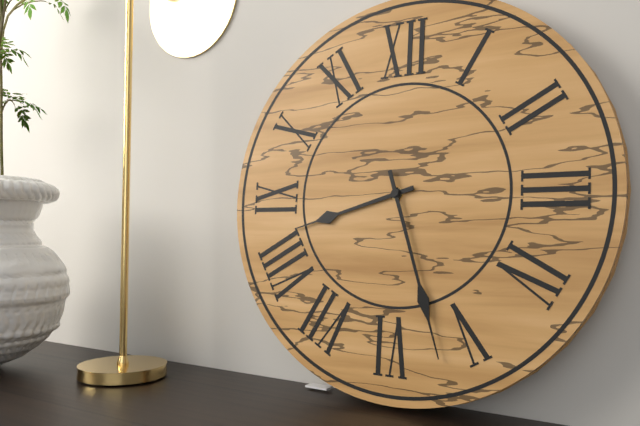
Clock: 8.27
